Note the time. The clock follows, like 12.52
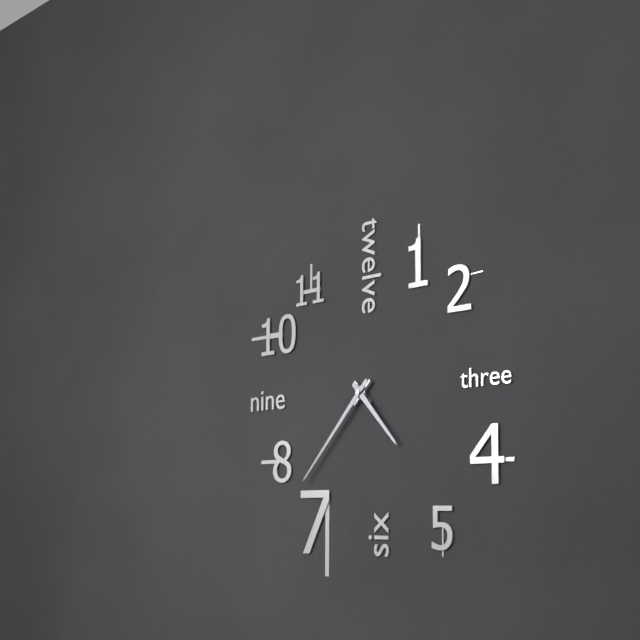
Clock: 4.37
